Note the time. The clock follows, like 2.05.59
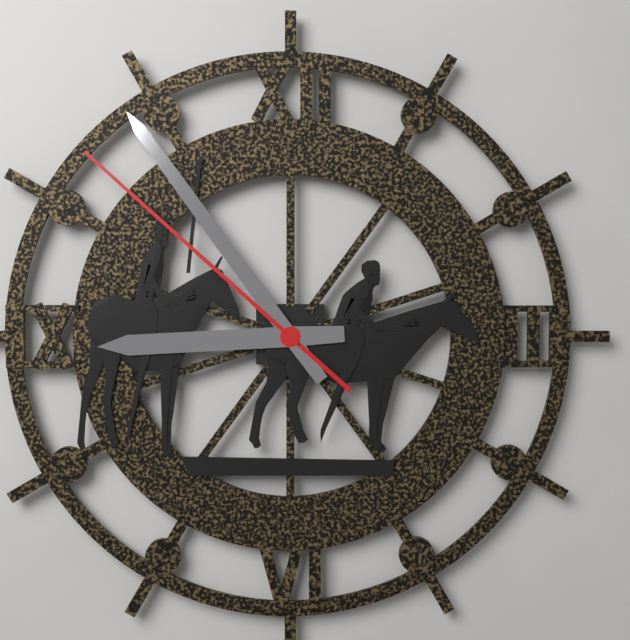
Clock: 8.54.52
